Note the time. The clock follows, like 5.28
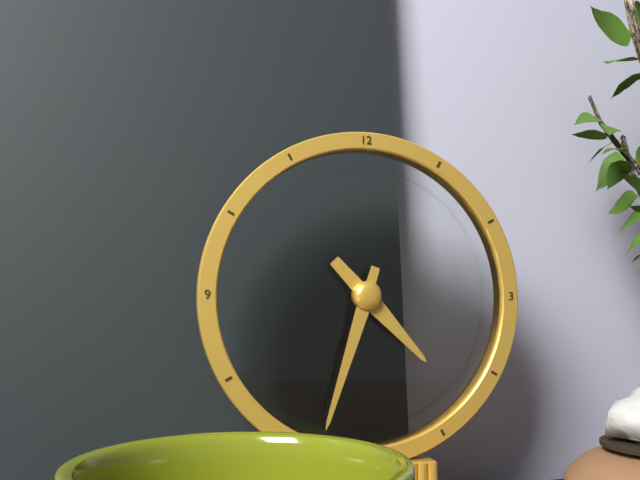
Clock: 4.33
